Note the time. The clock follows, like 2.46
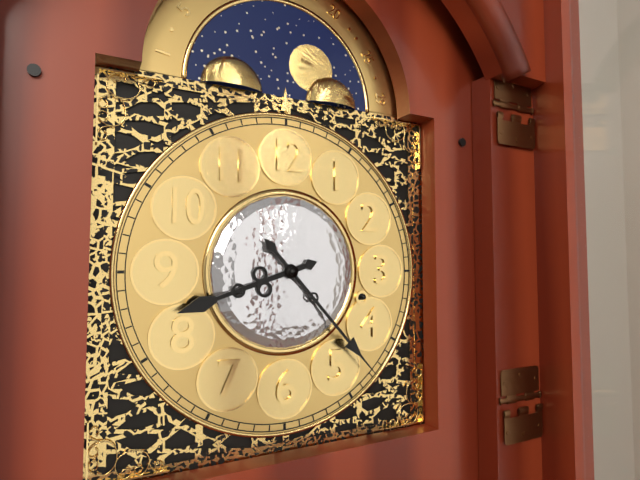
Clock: 8.23
